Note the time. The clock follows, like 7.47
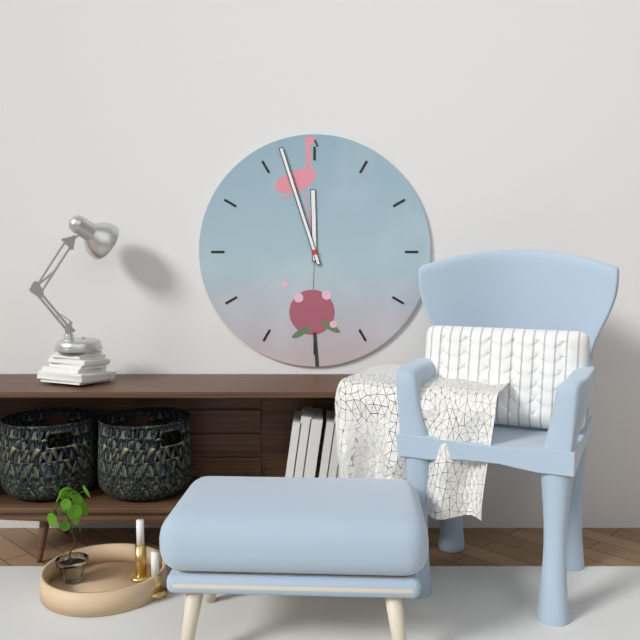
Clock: 11.57
